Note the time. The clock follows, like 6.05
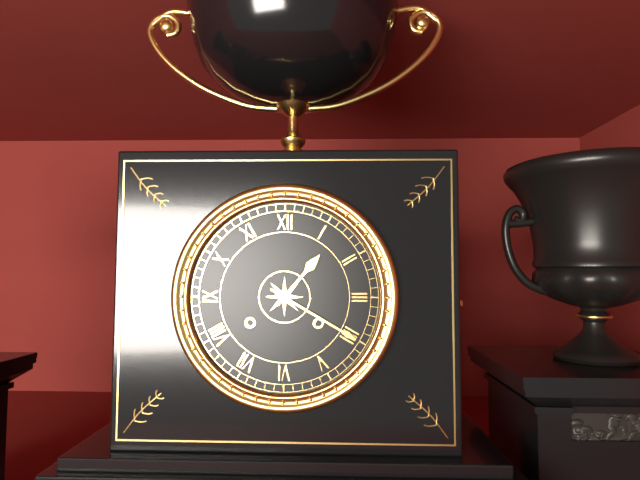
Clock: 1.20
